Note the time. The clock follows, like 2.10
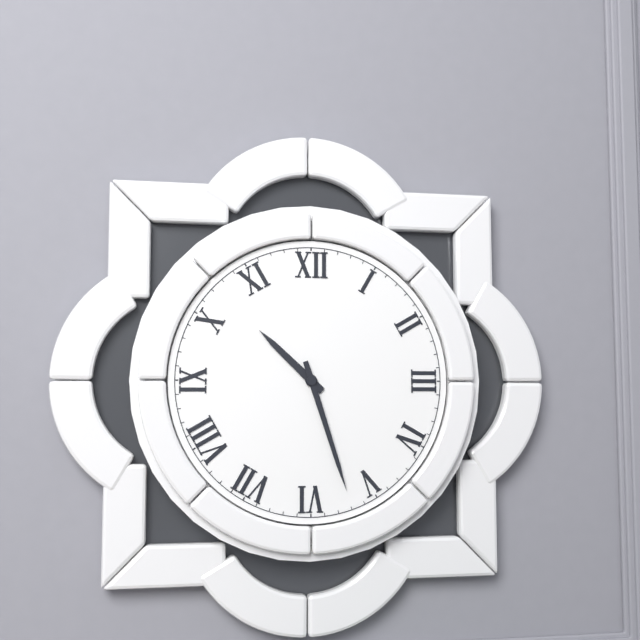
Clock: 10.27
